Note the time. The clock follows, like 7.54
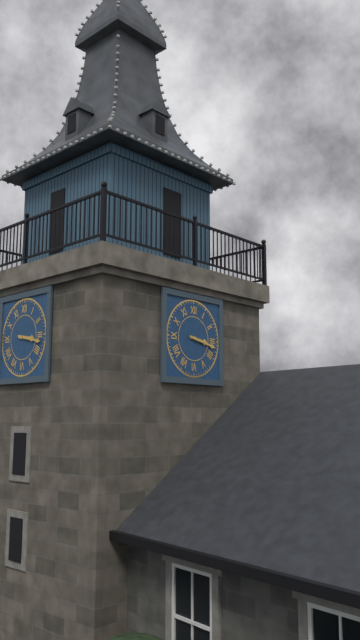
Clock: 3.17
